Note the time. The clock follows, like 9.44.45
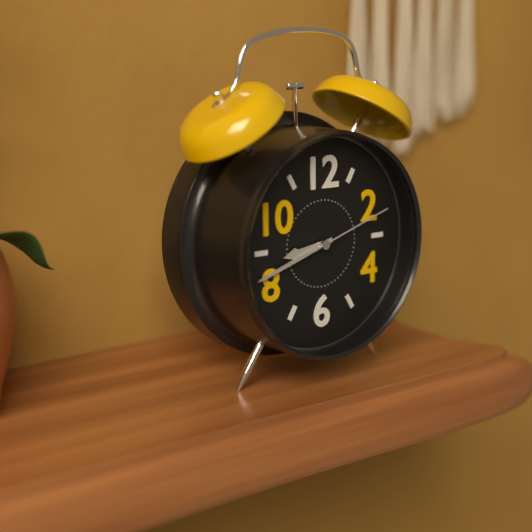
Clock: 8.42.12
